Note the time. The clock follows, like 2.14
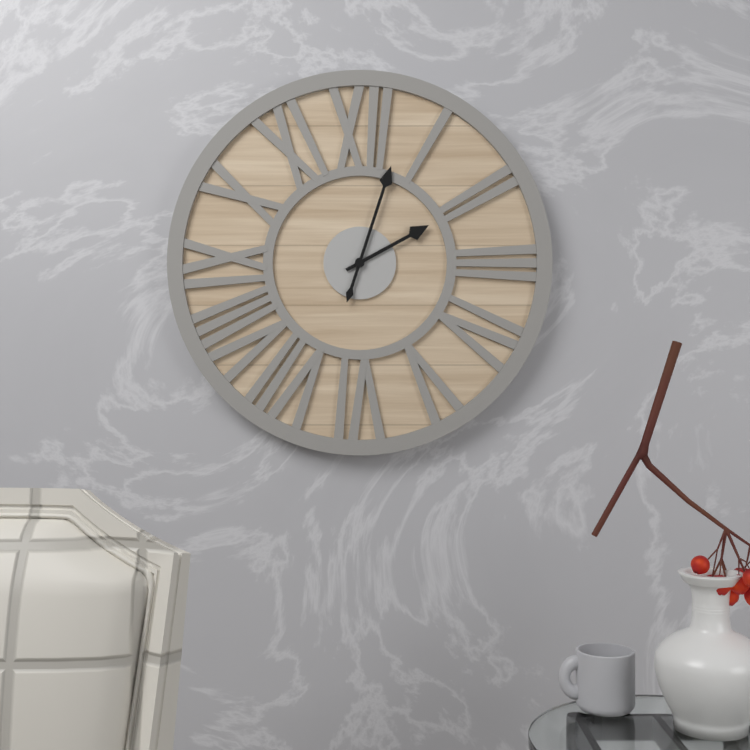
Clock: 2.03
